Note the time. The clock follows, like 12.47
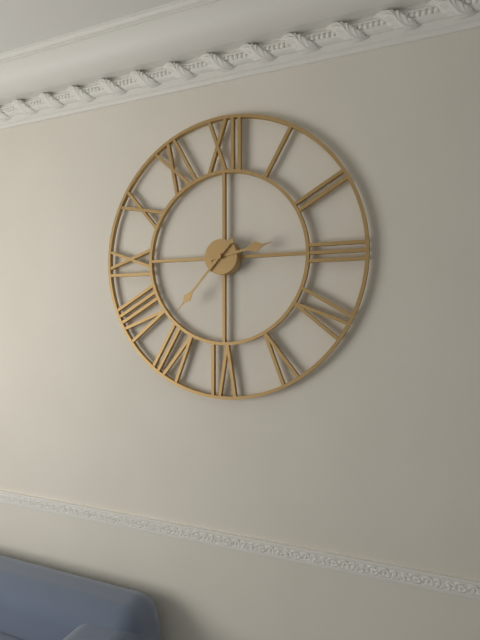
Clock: 2.37
